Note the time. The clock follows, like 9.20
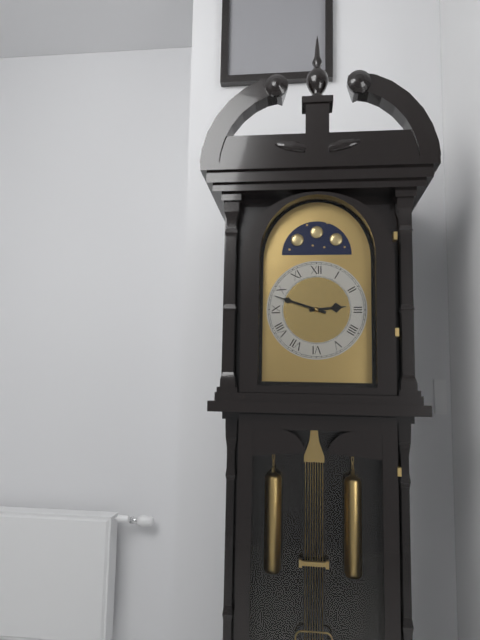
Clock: 2.48
